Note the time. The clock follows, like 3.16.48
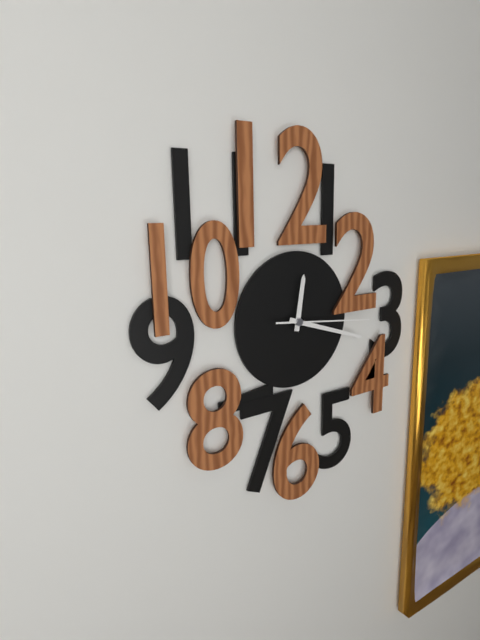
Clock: 12.18.16
